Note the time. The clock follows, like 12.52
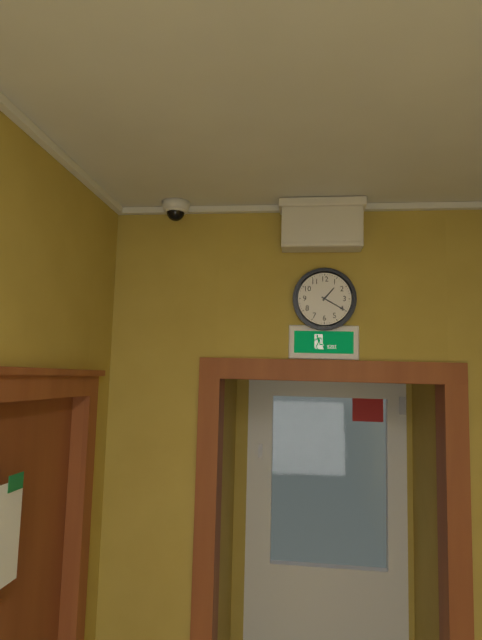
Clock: 1.20
